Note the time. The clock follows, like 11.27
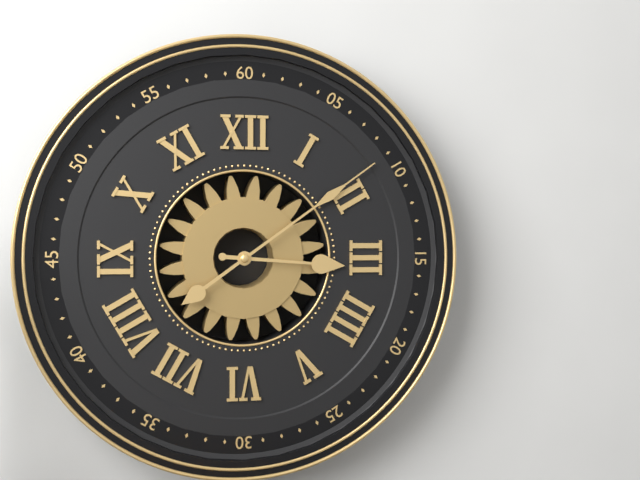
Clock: 3.09
